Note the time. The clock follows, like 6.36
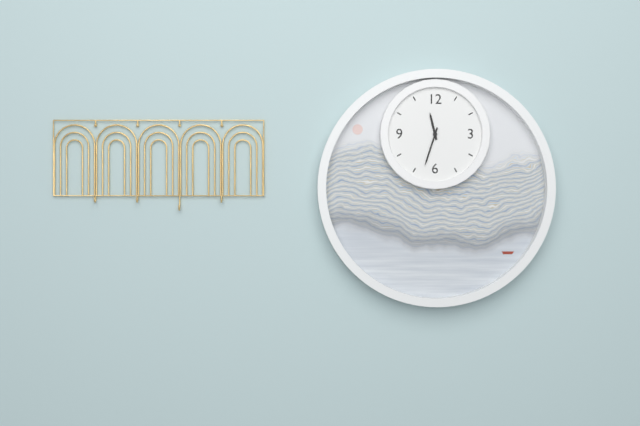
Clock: 11.33
